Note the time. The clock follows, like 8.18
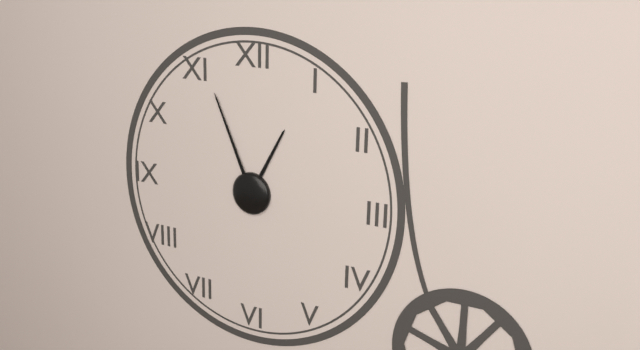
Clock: 12.56
